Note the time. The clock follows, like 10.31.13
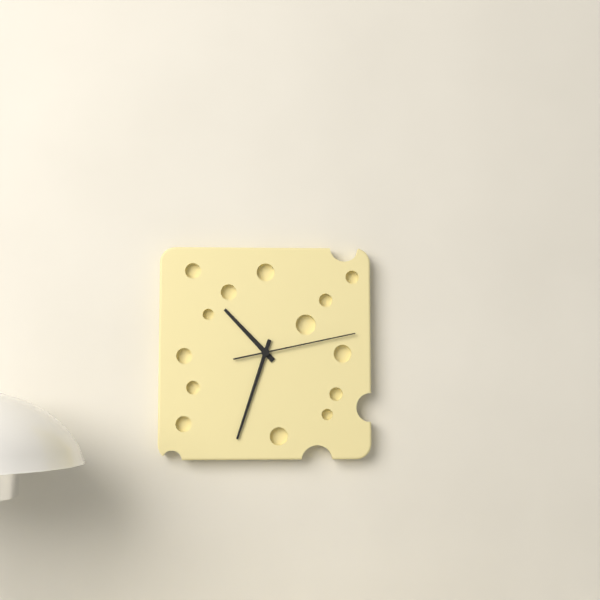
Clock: 10.33.13
